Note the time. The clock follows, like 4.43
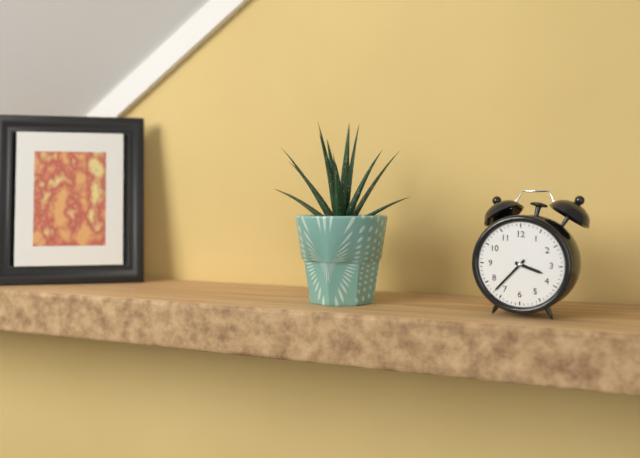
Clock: 3.37
